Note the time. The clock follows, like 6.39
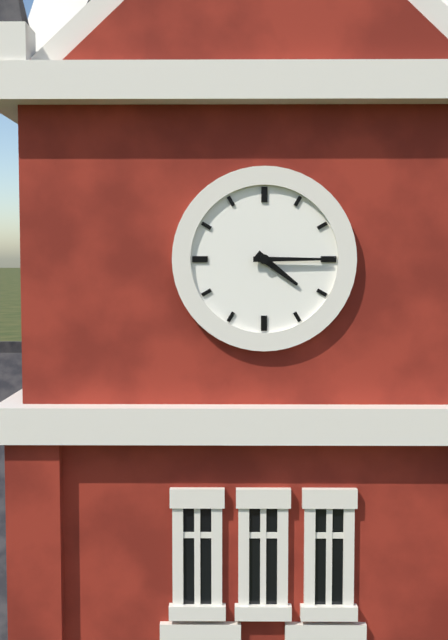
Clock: 4.15
